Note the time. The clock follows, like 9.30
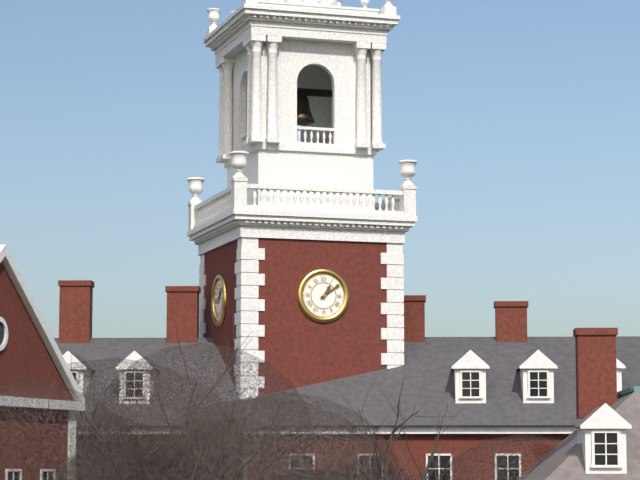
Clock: 1.09
